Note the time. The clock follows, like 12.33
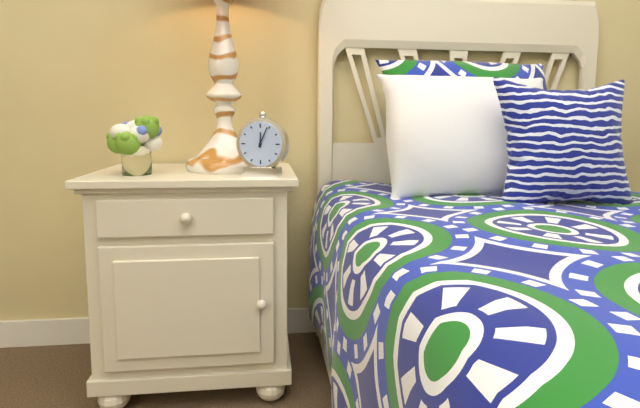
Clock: 12.04
